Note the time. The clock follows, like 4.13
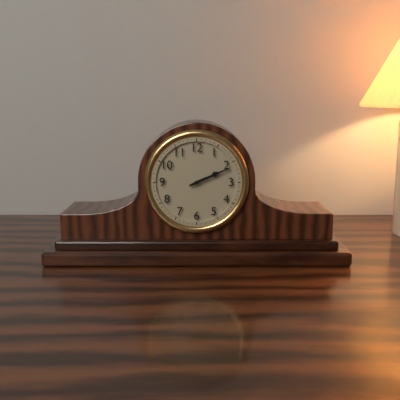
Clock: 2.11
